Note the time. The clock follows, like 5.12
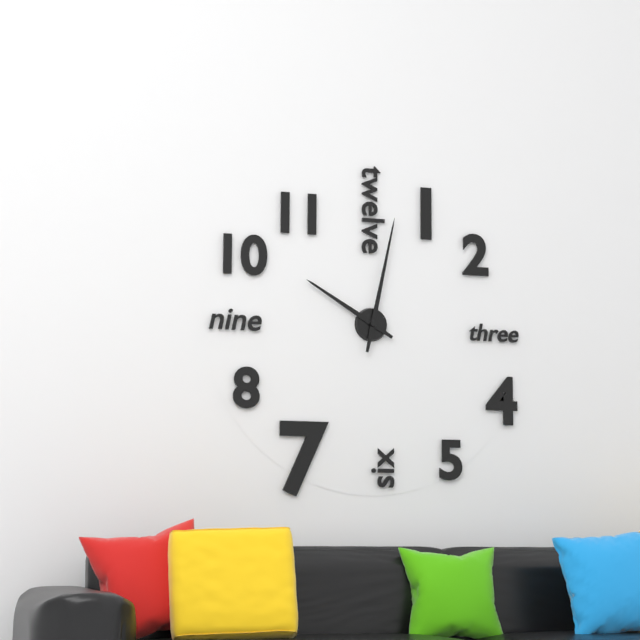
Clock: 10.02
